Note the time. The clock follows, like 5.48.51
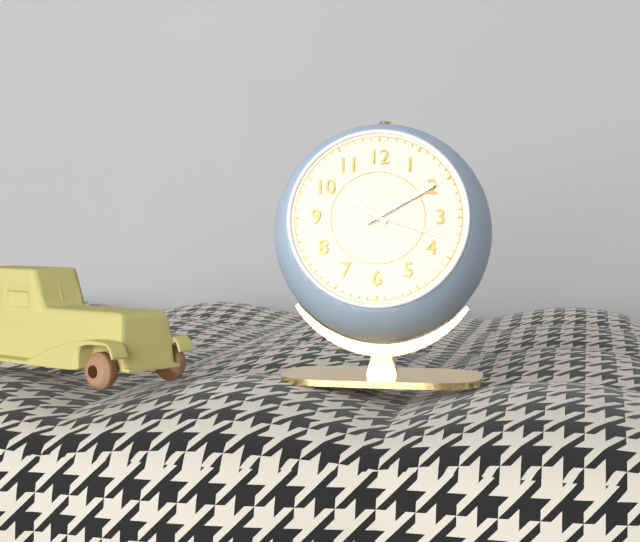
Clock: 10.10.18
